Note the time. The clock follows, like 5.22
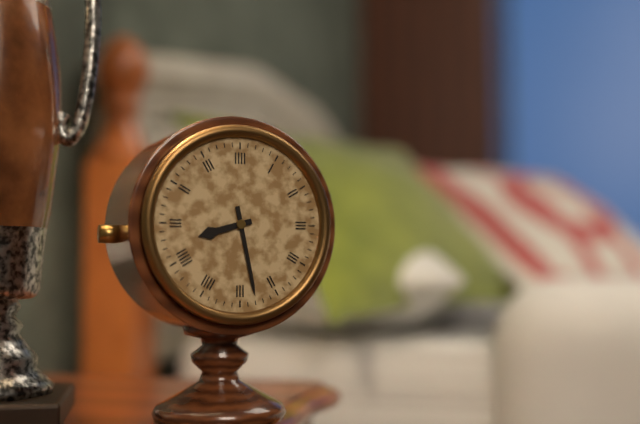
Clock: 8.28
